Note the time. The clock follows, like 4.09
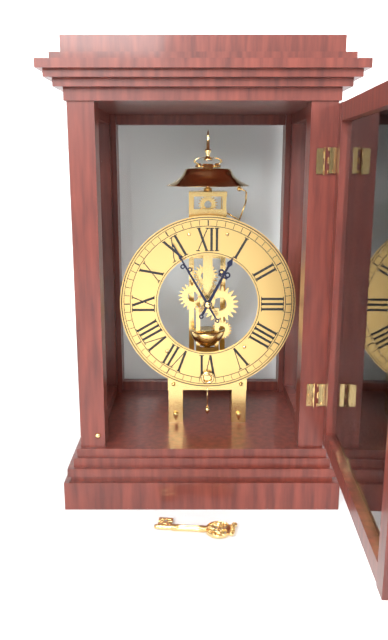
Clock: 12.55
